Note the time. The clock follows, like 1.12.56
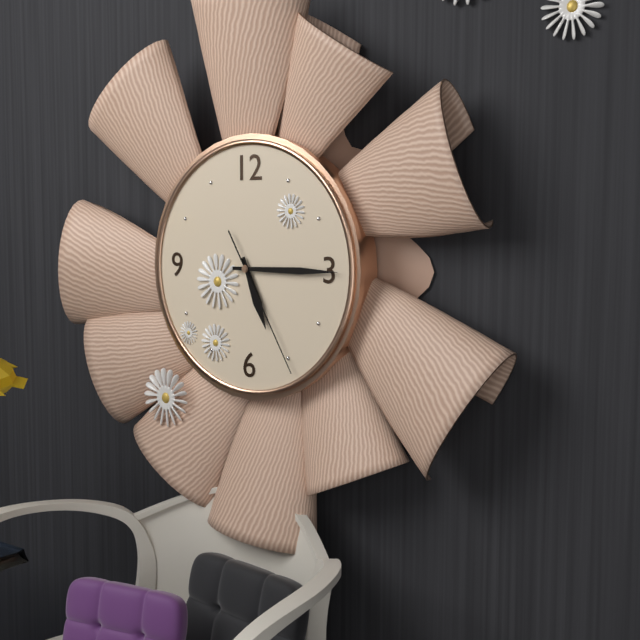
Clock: 5.15.25
